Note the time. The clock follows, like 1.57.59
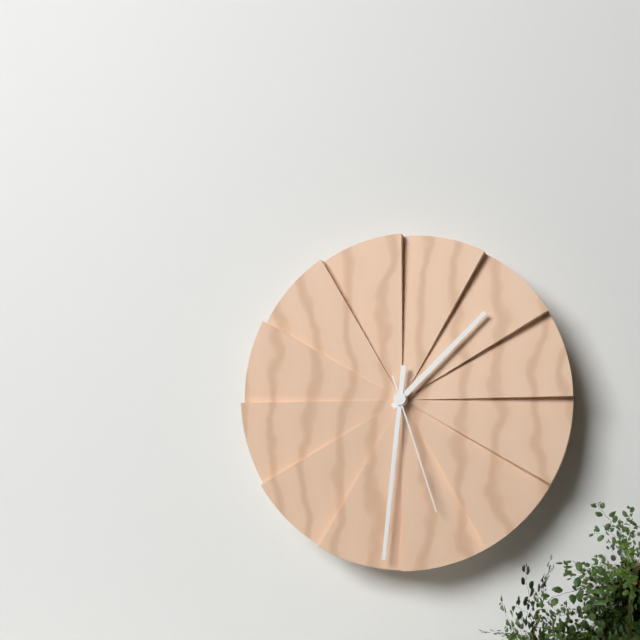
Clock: 1.31.27
